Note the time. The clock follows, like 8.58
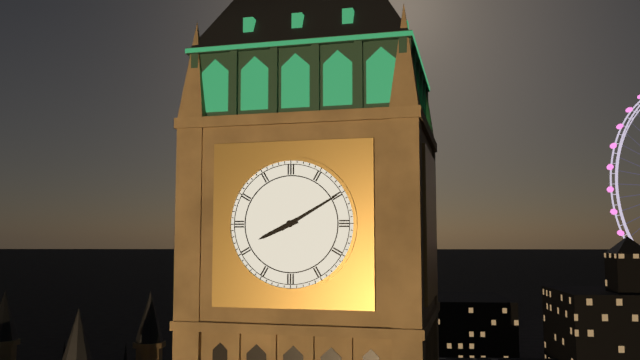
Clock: 8.10
